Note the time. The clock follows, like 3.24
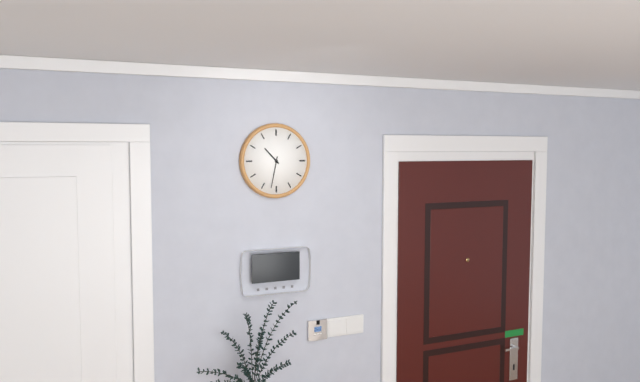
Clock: 10.32
